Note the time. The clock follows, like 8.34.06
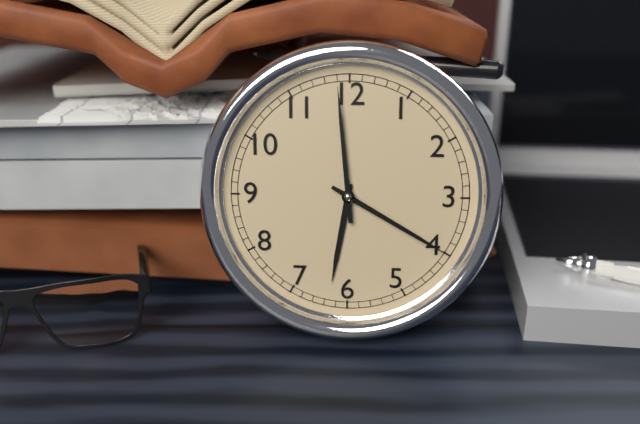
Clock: 6.20.59
